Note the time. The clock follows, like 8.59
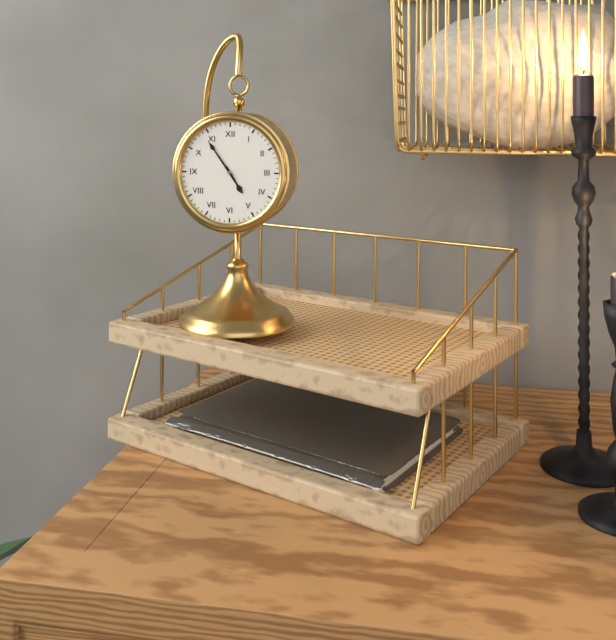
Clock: 4.54
